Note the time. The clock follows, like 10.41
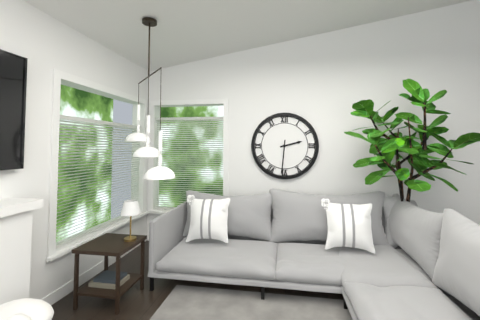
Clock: 2.31
